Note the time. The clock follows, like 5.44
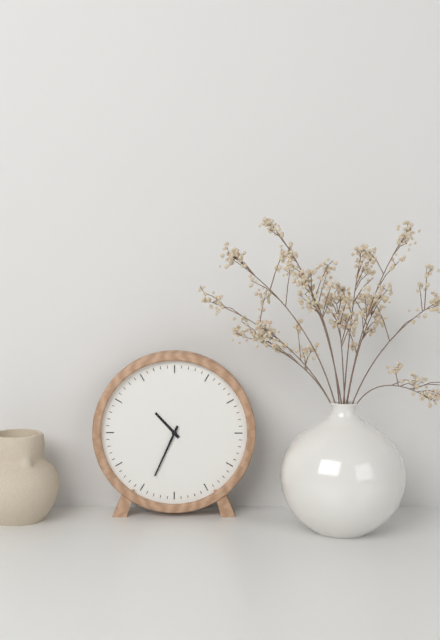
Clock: 10.34
